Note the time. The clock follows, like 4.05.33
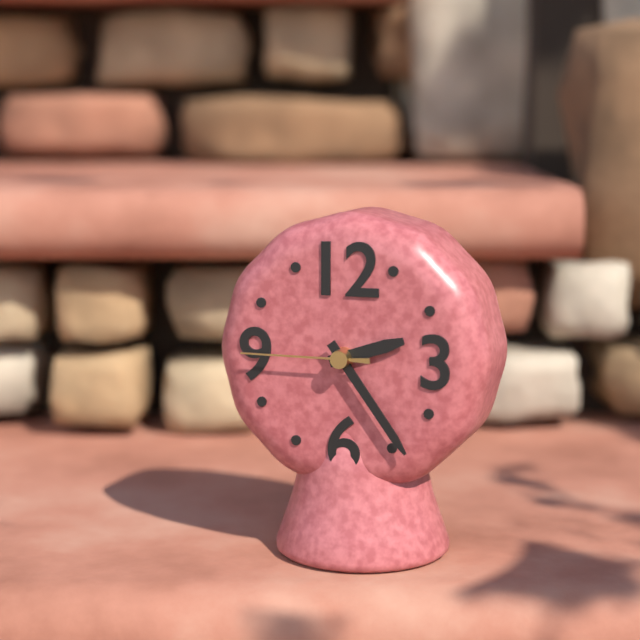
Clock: 2.24.45
